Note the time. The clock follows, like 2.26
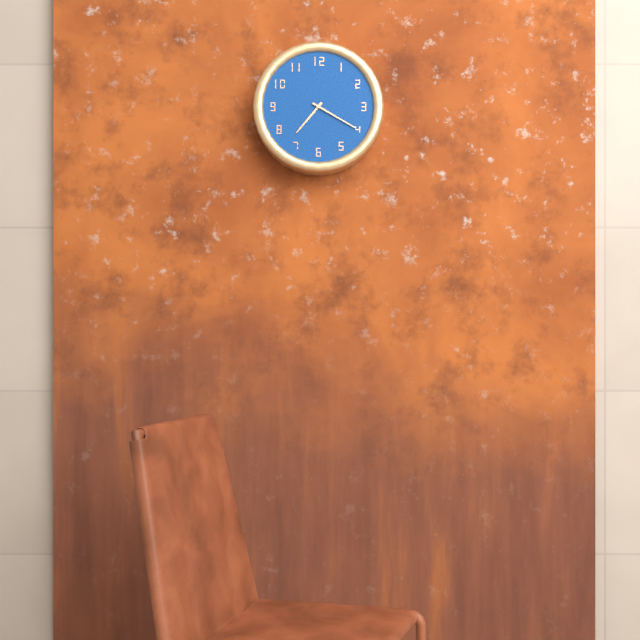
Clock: 7.20
